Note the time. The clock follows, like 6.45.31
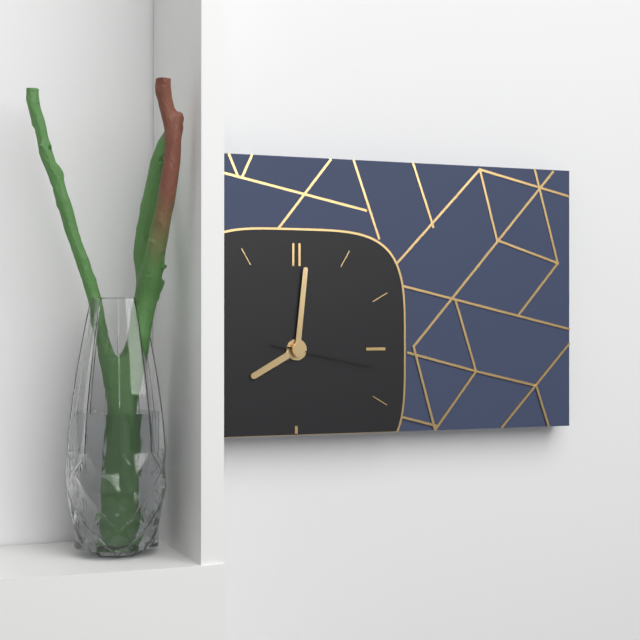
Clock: 8.01.17
